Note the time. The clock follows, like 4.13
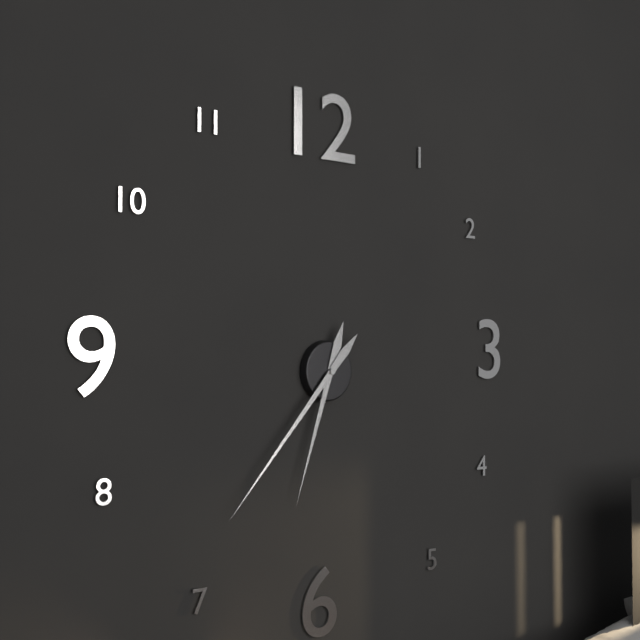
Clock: 6.37
